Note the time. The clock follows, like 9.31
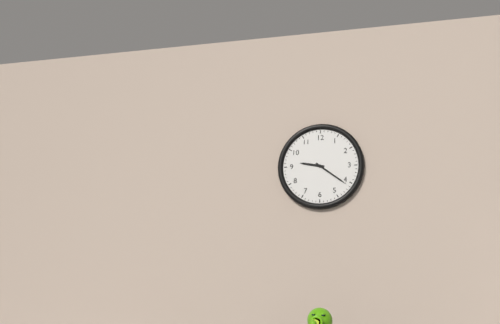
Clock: 9.21
